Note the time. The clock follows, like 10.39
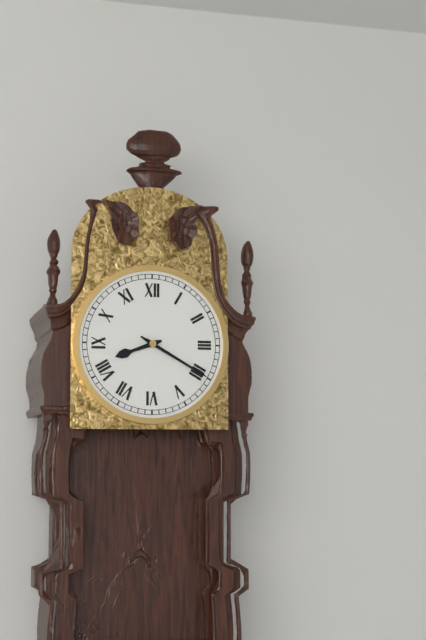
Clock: 8.20
